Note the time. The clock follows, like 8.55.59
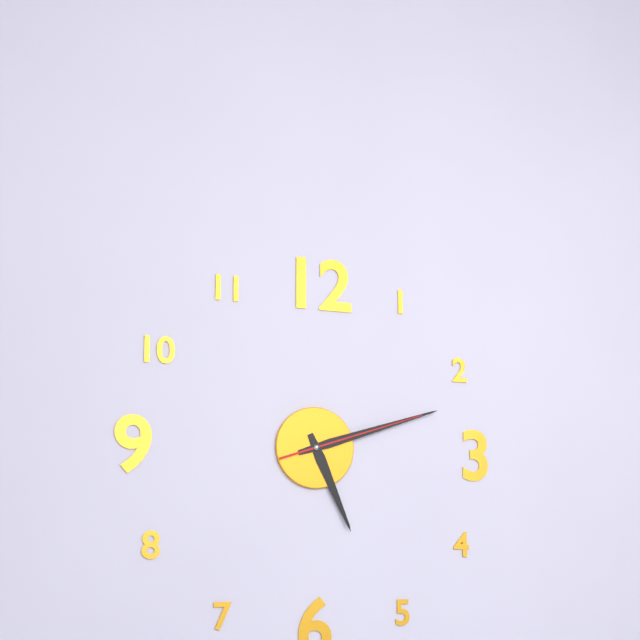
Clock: 5.12.12
